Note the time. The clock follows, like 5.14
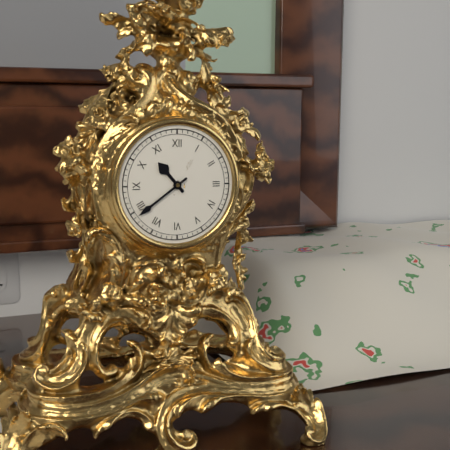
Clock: 10.39
